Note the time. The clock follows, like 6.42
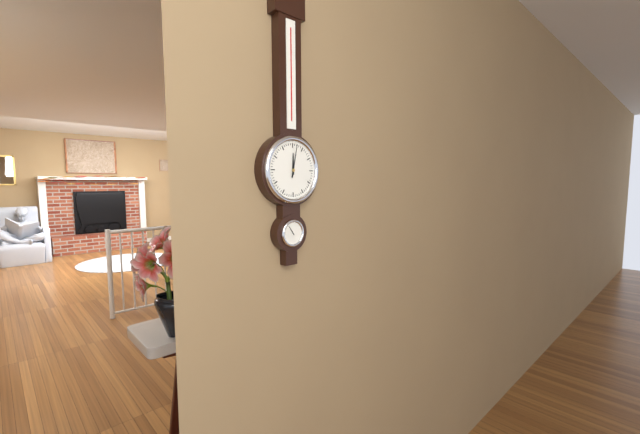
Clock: 12.02
